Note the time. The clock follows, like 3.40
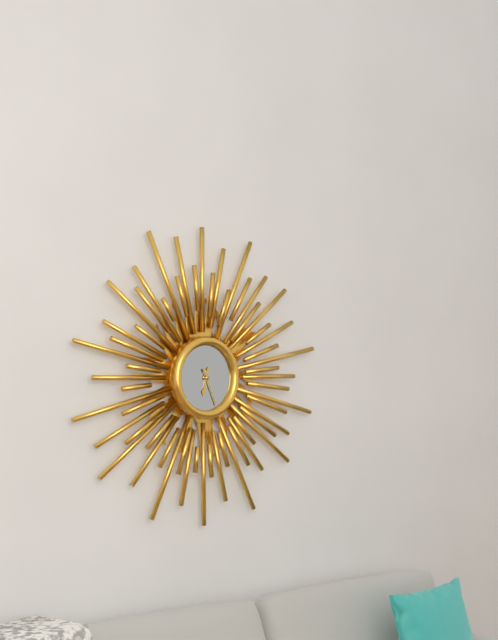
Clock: 6.26
